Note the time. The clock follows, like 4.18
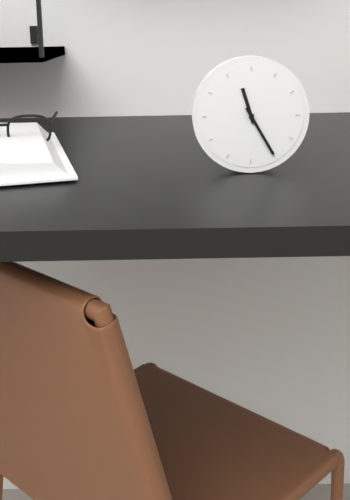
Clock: 11.25
